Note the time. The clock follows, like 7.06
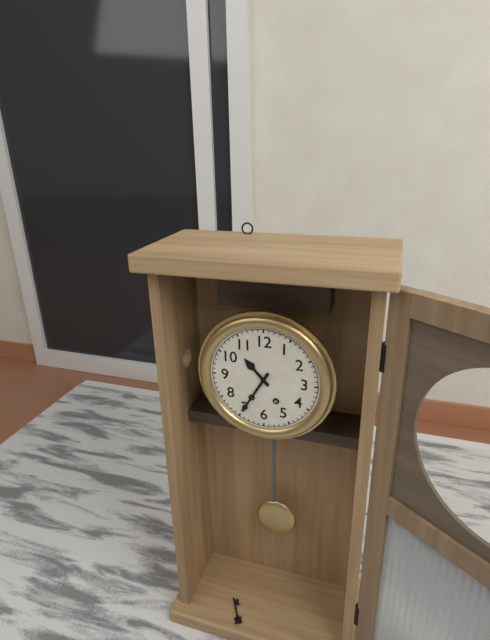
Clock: 10.35
